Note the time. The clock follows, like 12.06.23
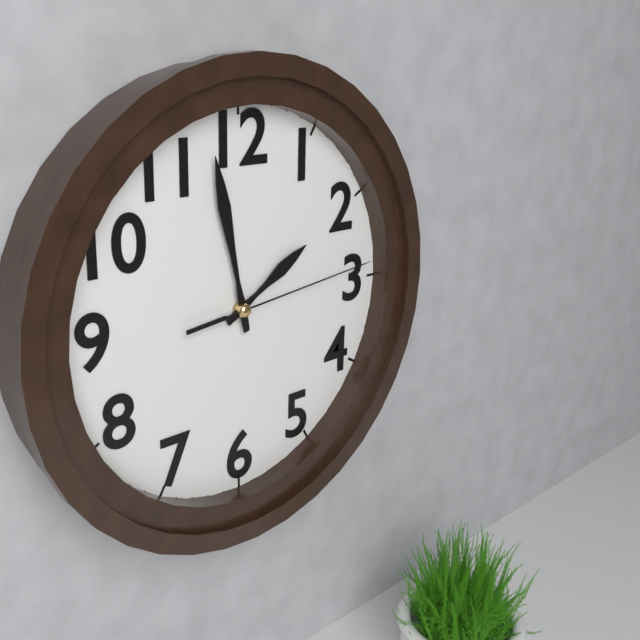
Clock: 1.58.14
